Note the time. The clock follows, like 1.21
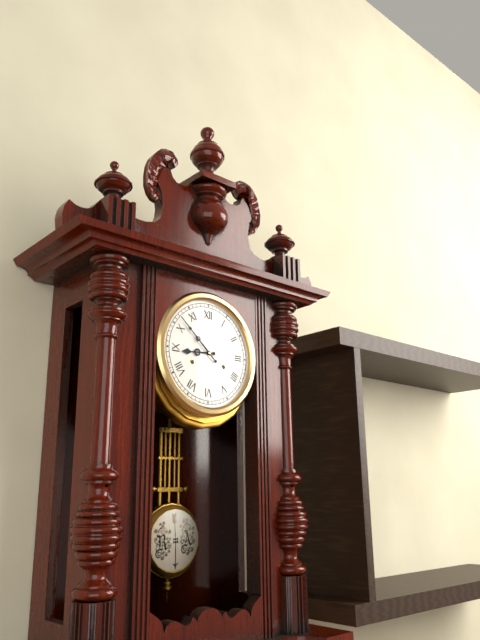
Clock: 8.52
